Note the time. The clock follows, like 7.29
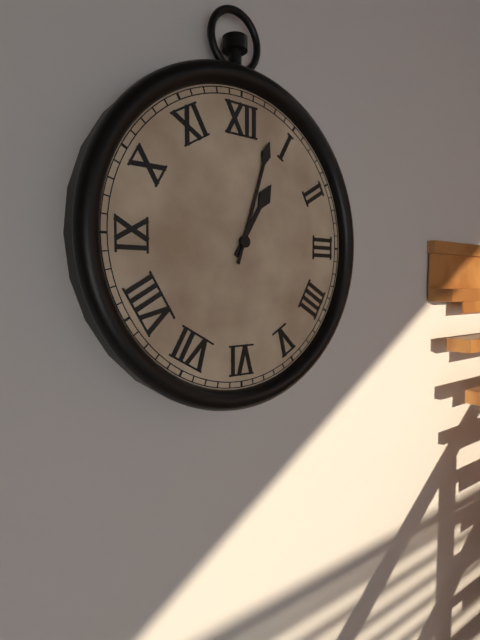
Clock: 1.03
